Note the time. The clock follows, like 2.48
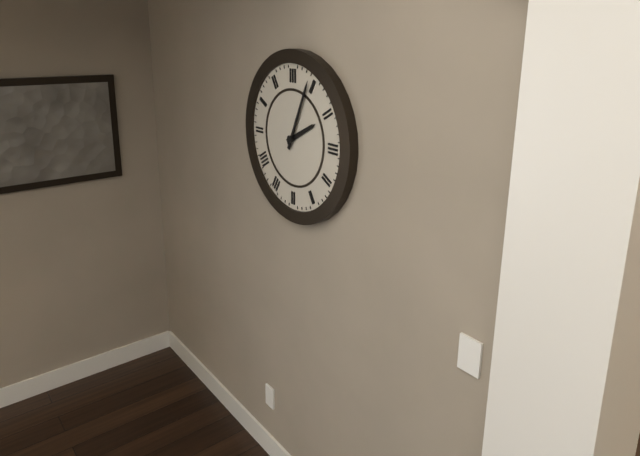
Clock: 2.04
